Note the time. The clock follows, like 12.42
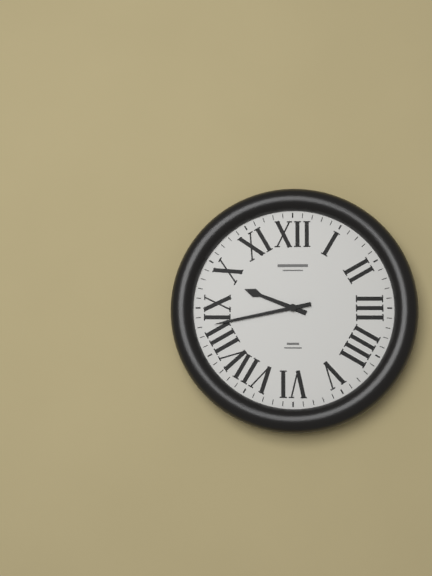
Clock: 9.43
